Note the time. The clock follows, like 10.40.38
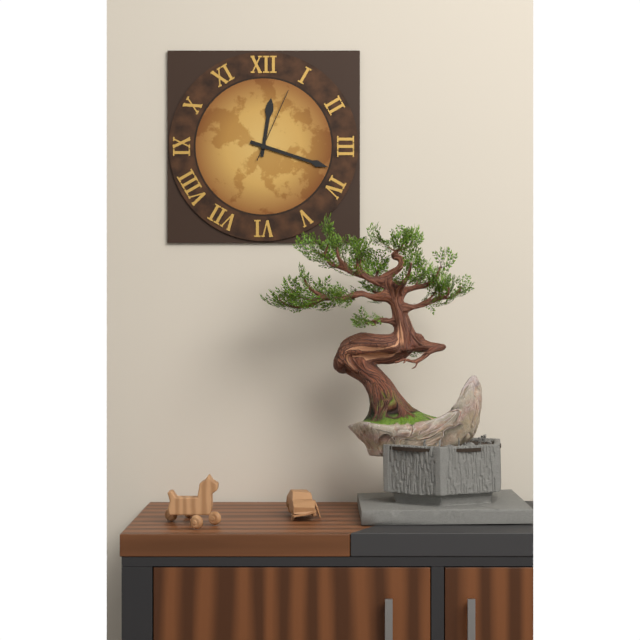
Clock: 12.18.04
